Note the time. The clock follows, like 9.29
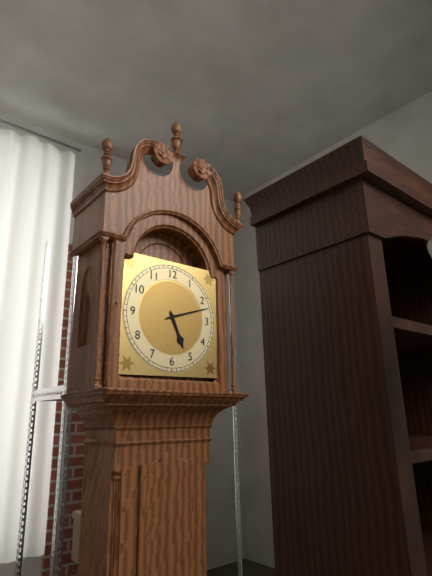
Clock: 5.12
